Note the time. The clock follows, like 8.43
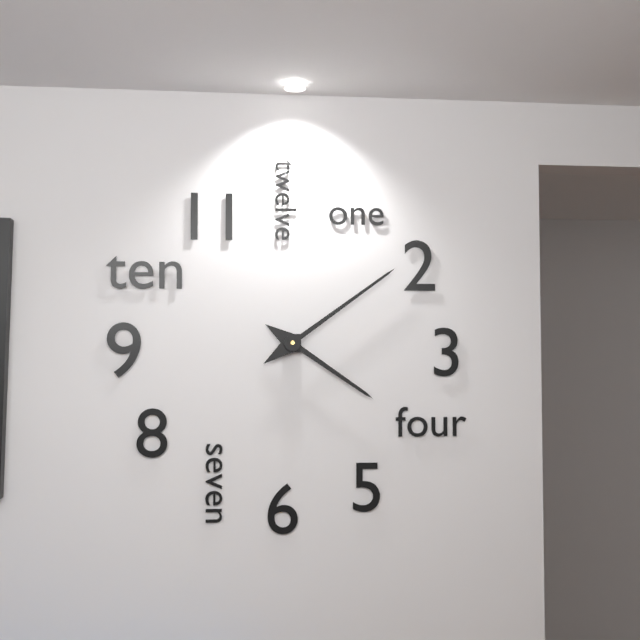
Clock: 4.09
